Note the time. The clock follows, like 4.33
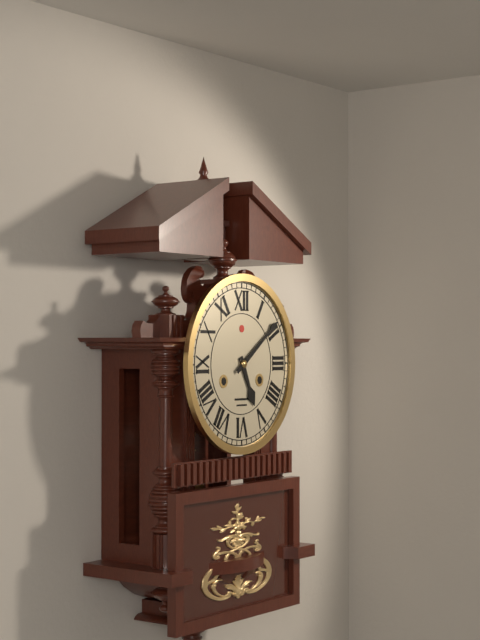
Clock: 5.09
